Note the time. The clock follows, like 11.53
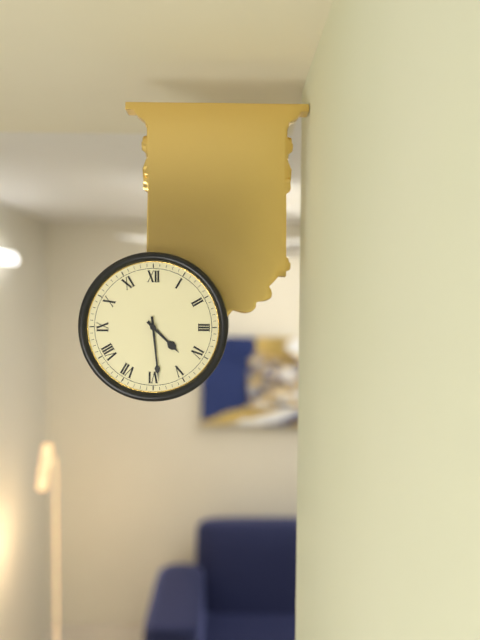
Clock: 4.29
